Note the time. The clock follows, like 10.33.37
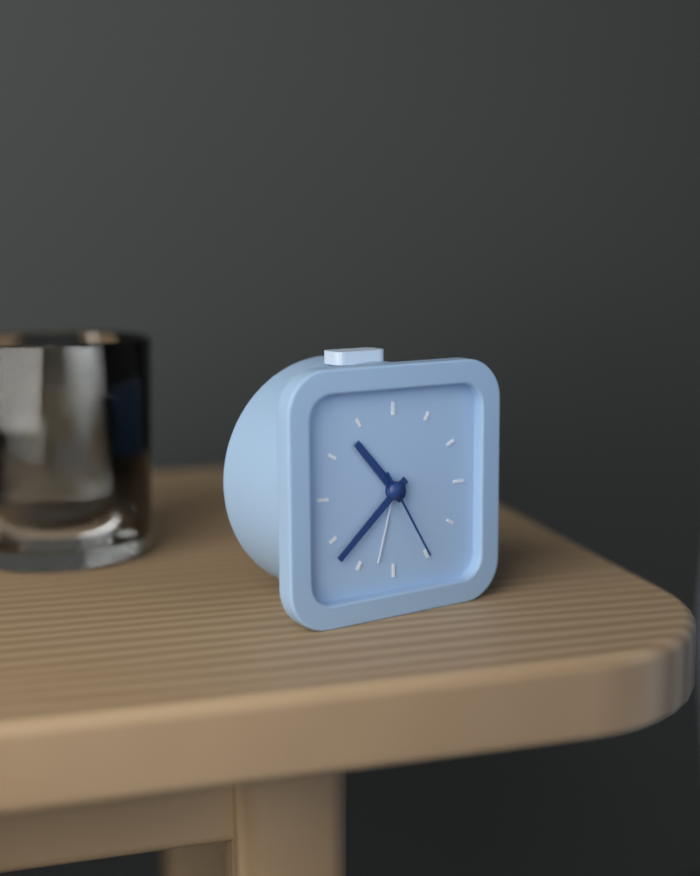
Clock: 10.38.25
